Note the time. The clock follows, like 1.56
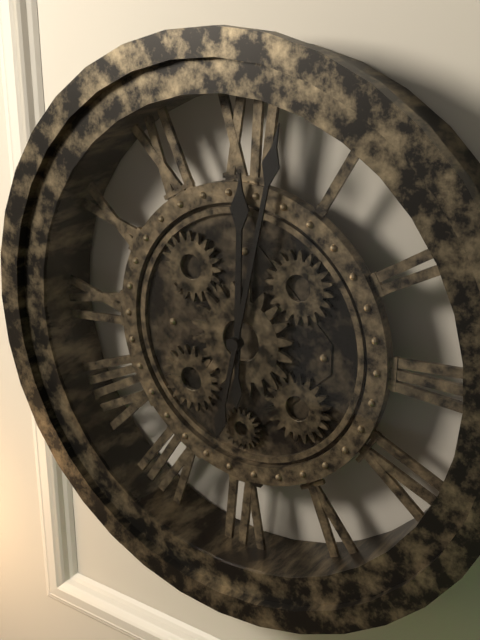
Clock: 12.02
